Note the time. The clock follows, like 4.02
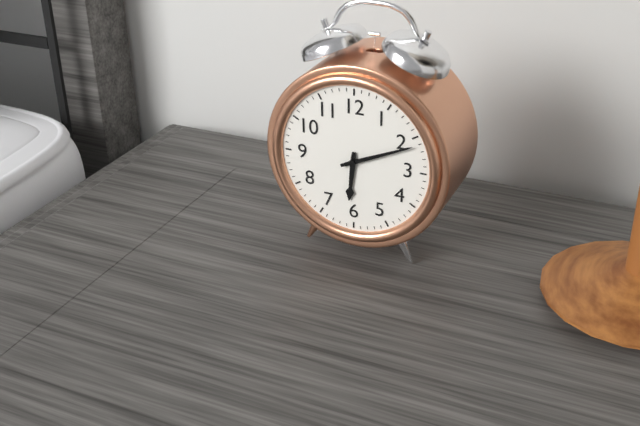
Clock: 6.11
